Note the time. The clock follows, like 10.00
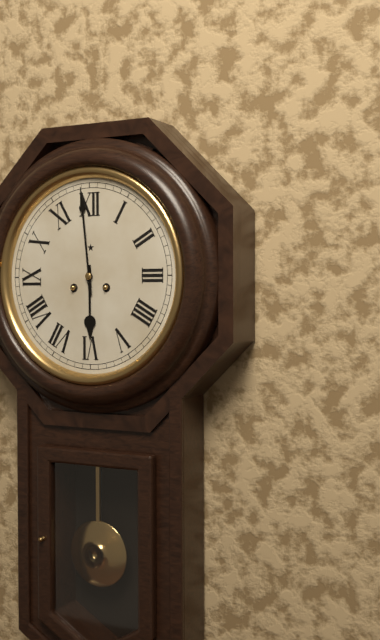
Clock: 5.59
